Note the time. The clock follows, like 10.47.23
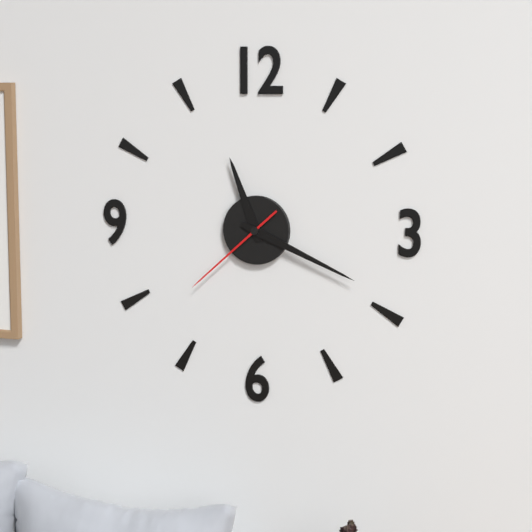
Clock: 11.19.38
